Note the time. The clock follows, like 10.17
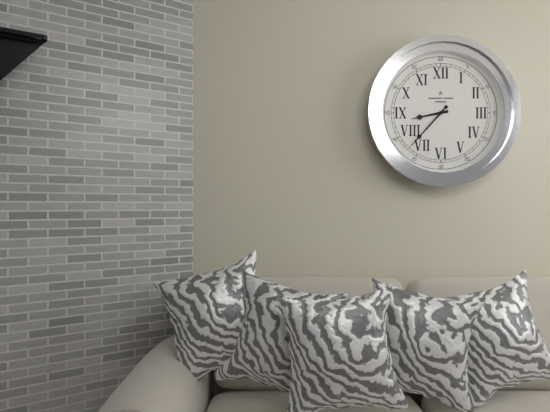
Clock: 8.37
